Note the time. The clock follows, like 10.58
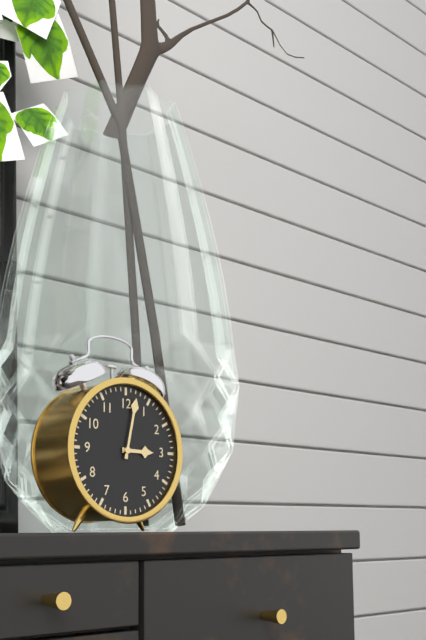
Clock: 3.02
